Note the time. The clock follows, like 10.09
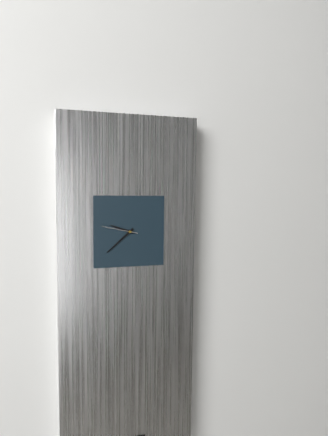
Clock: 9.38
